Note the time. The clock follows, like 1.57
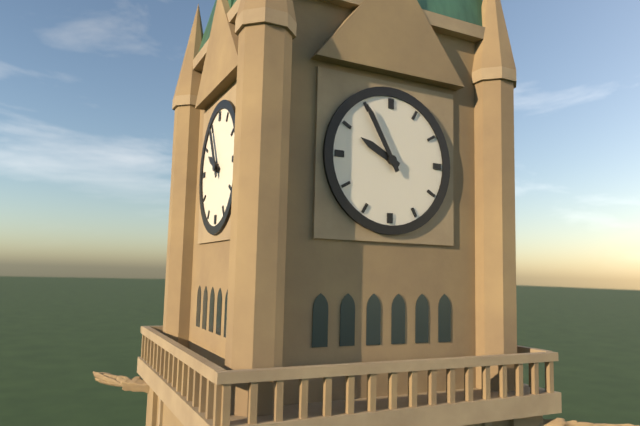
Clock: 9.55
